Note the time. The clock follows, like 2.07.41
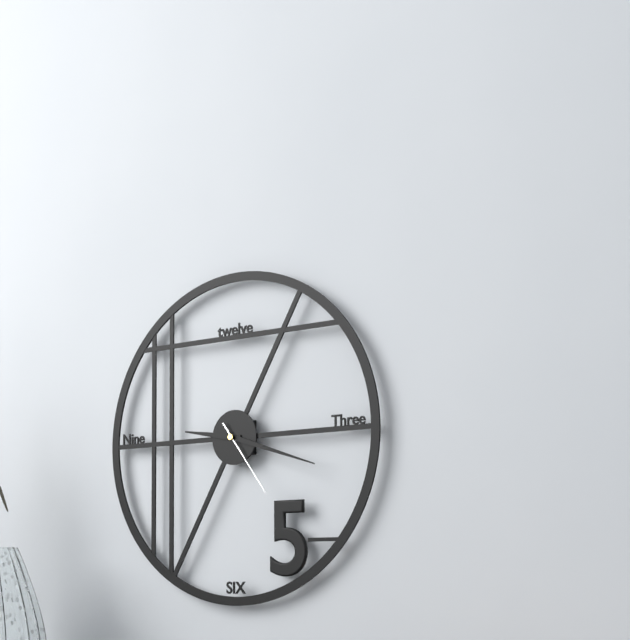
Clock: 9.18.24
